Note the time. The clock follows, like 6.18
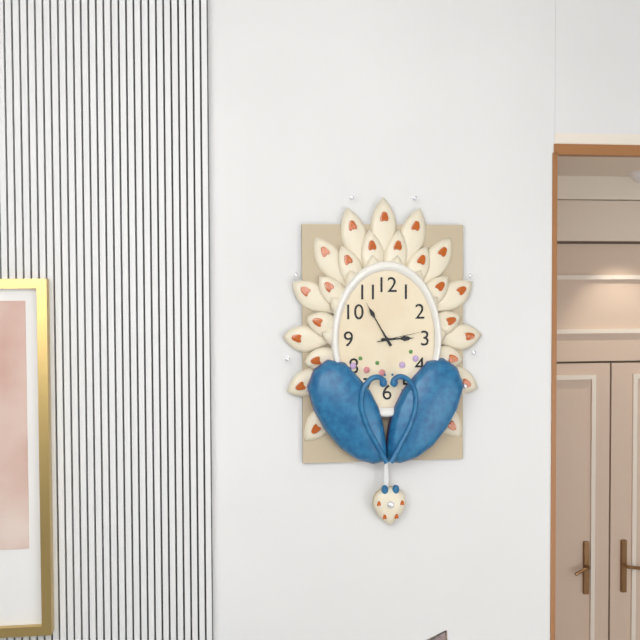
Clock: 2.55
